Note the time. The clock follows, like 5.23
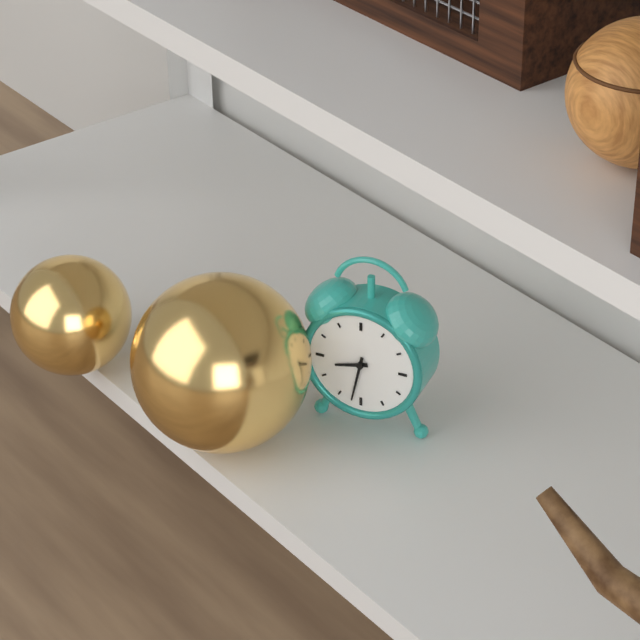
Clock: 8.32
